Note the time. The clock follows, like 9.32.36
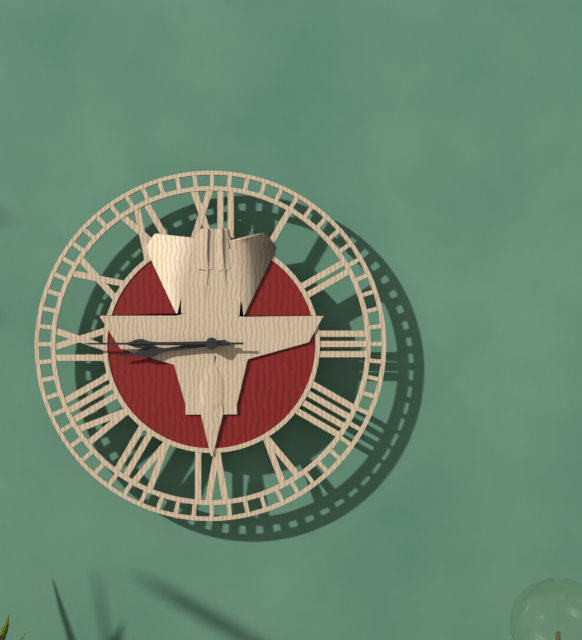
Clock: 8.45.45
